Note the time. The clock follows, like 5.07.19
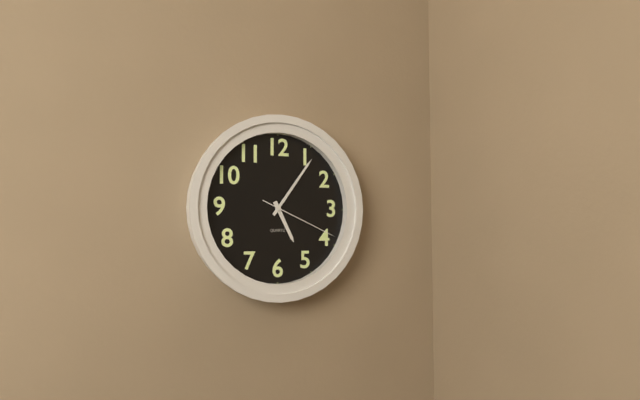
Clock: 5.06.19
